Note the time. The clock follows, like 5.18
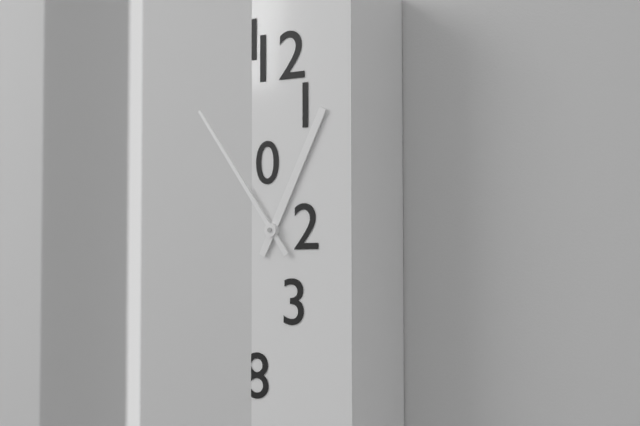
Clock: 12.54
